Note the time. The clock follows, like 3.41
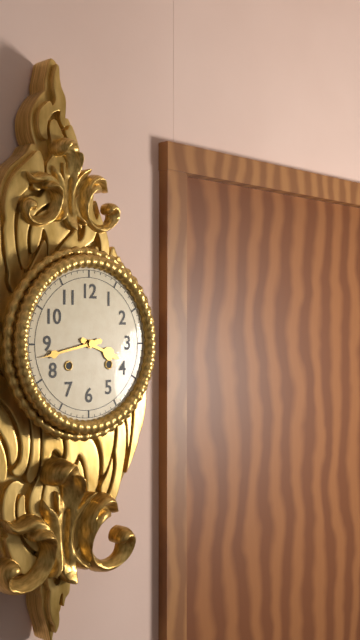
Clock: 3.43
